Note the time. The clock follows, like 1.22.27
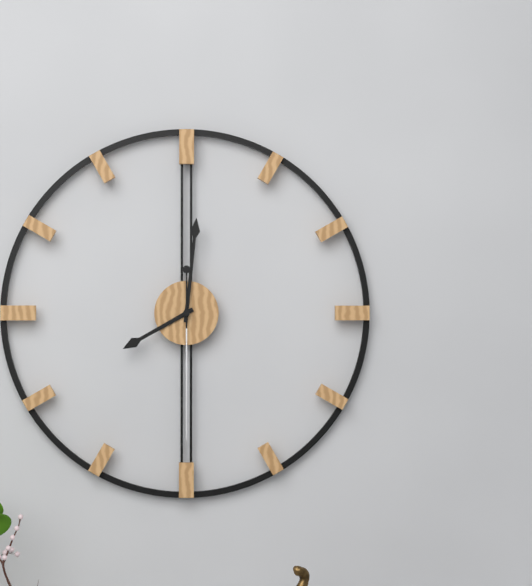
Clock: 8.01.30
